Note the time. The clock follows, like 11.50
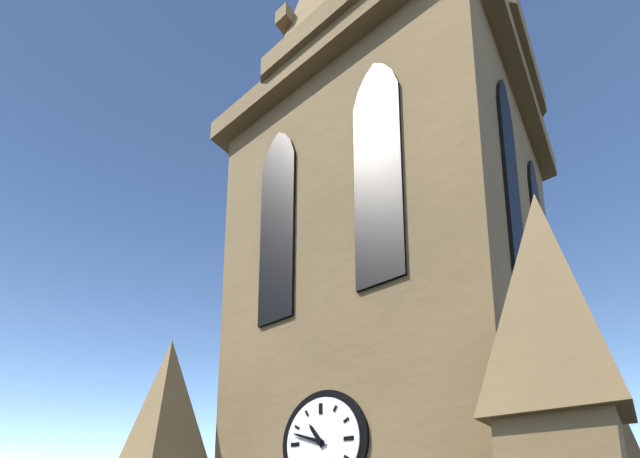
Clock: 10.48
